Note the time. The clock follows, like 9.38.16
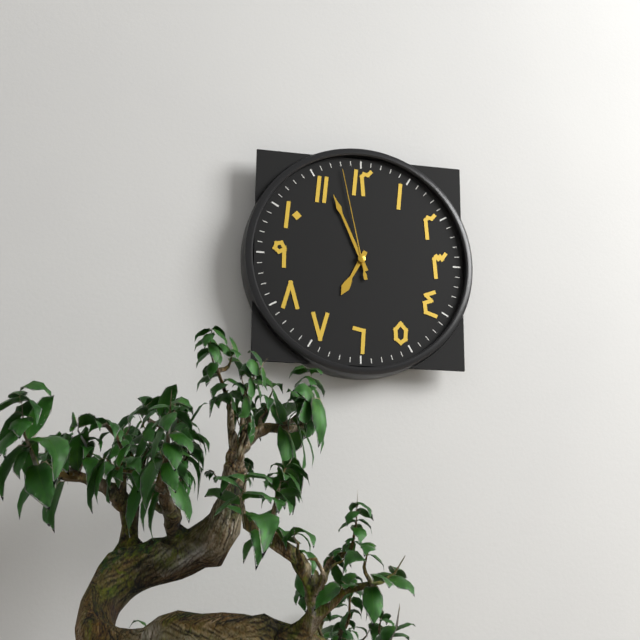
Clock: 6.56.58
